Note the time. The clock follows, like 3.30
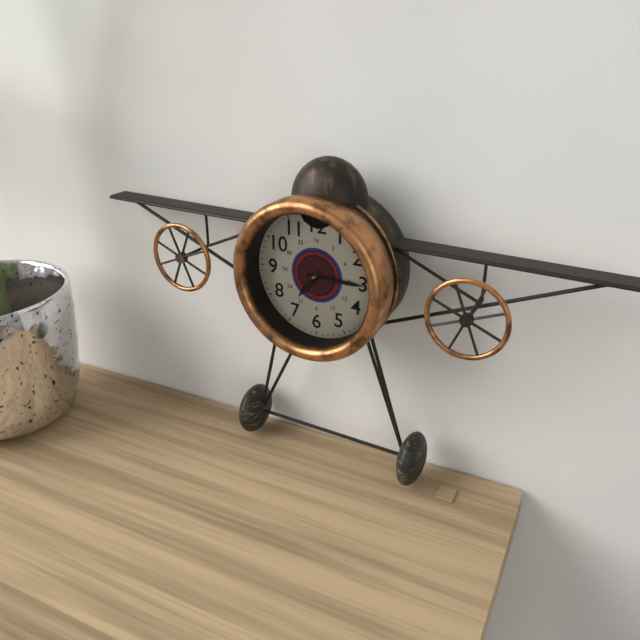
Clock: 7.15
